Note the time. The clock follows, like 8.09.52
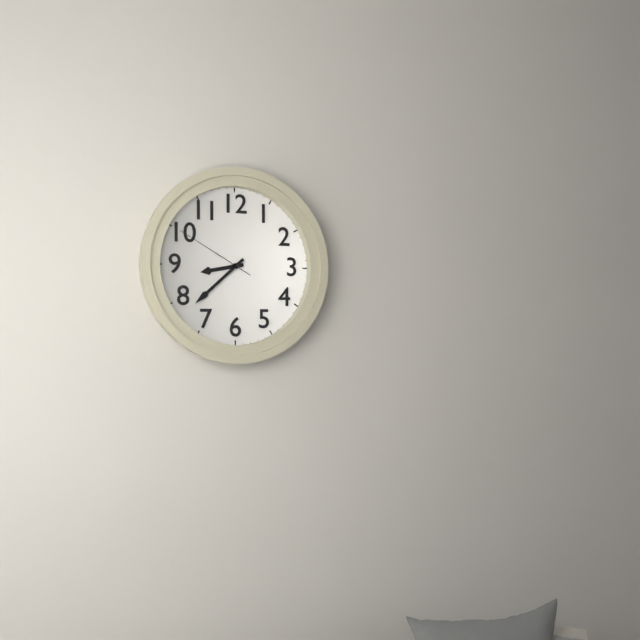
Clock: 8.38.50
